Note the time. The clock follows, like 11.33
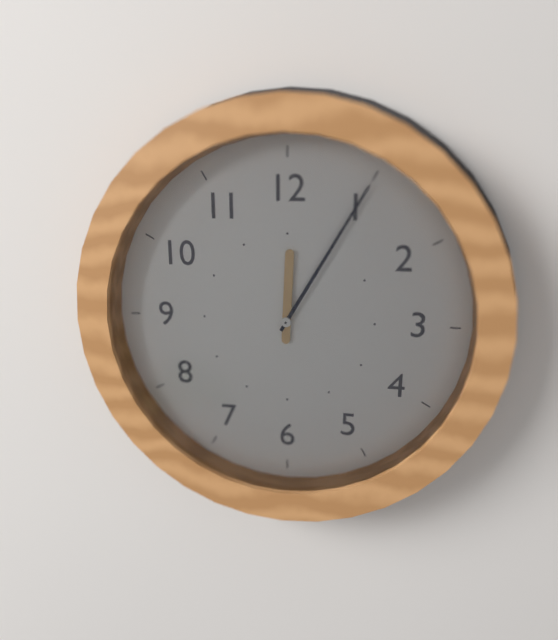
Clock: 12.05
